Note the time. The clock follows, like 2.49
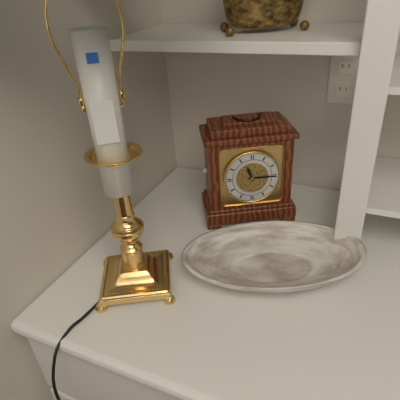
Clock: 11.15
